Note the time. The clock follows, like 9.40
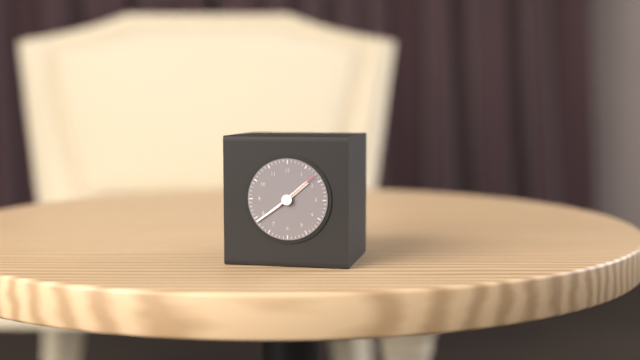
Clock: 1.39
